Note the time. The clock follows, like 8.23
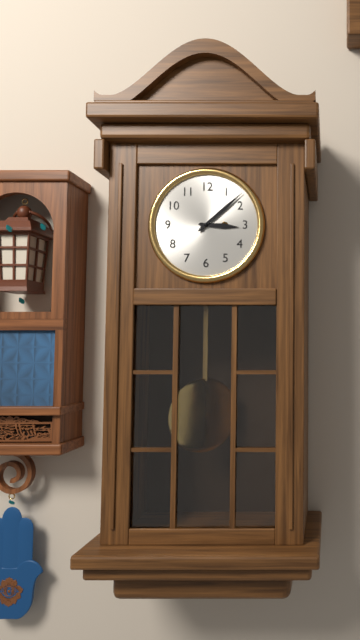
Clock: 3.08
